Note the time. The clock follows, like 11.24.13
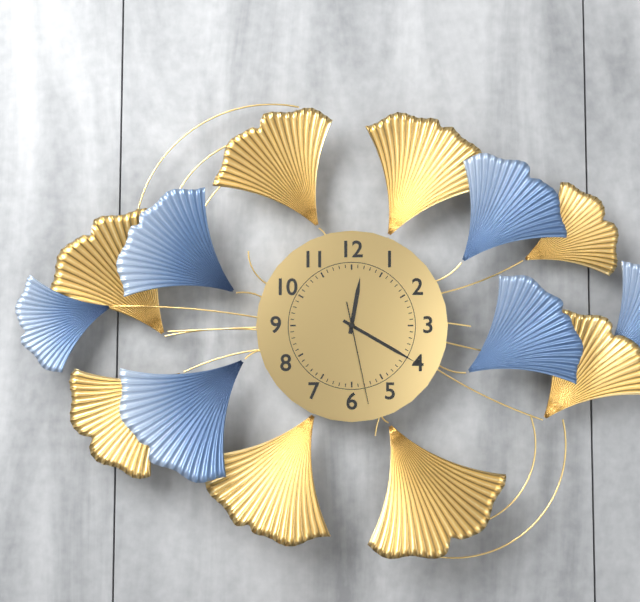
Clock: 12.20.28
